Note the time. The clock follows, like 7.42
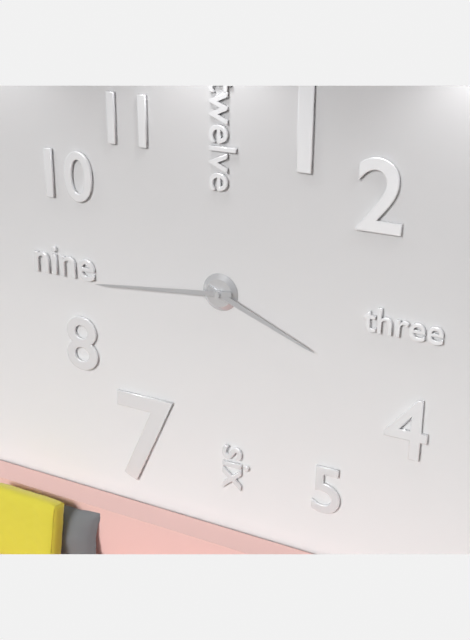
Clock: 3.44
